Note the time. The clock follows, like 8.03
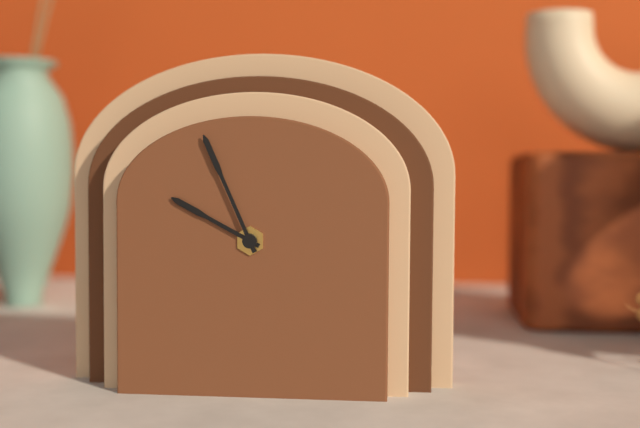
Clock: 9.56
